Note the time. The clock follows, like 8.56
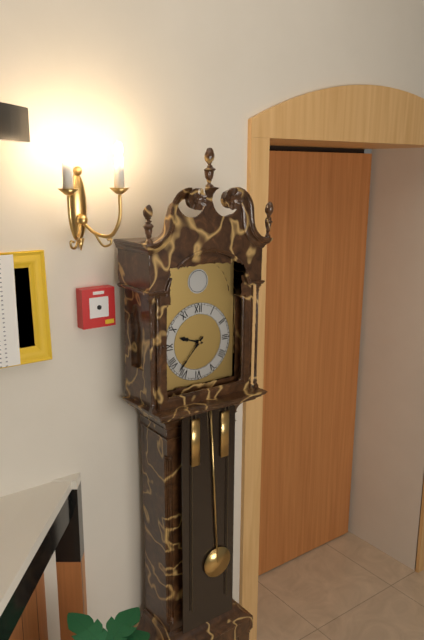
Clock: 9.37
